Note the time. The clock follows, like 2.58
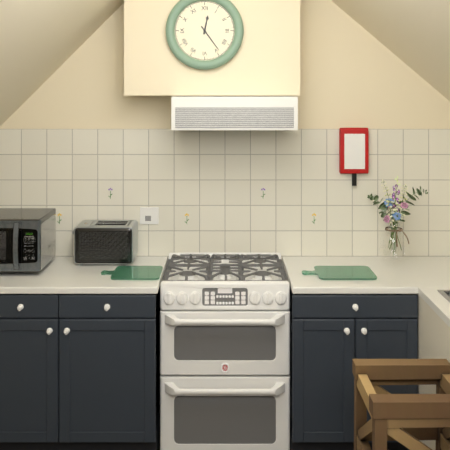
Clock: 12.24
